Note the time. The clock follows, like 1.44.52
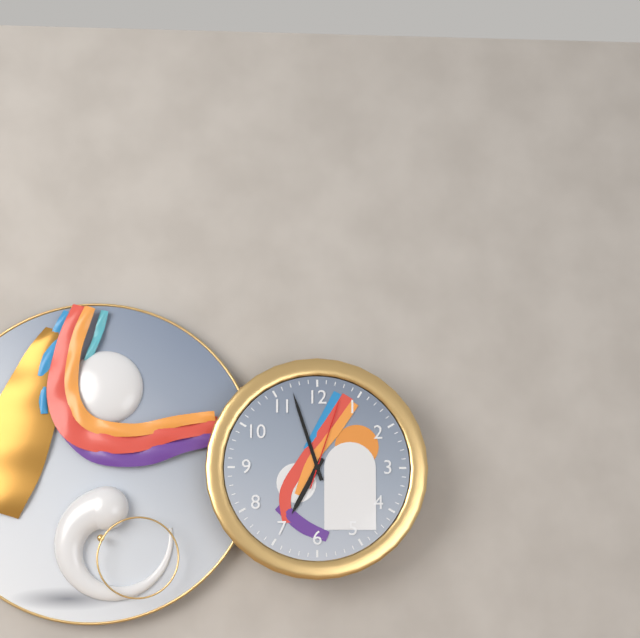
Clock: 6.57.03
